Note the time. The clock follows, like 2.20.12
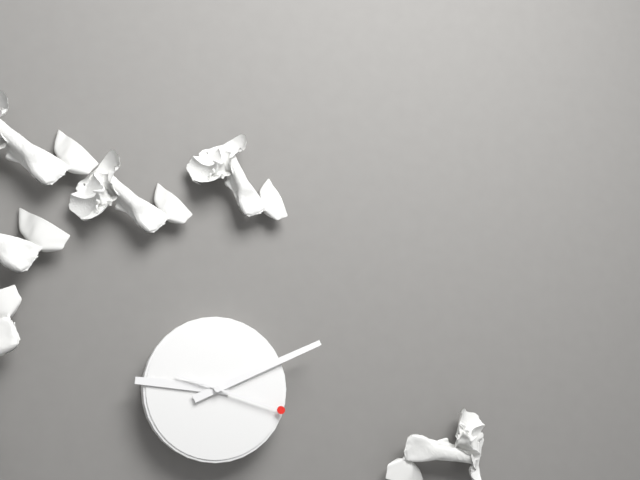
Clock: 9.11.18
